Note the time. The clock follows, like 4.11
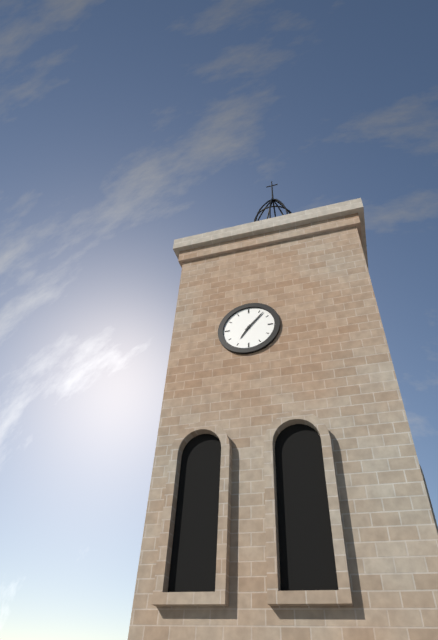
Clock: 7.07
